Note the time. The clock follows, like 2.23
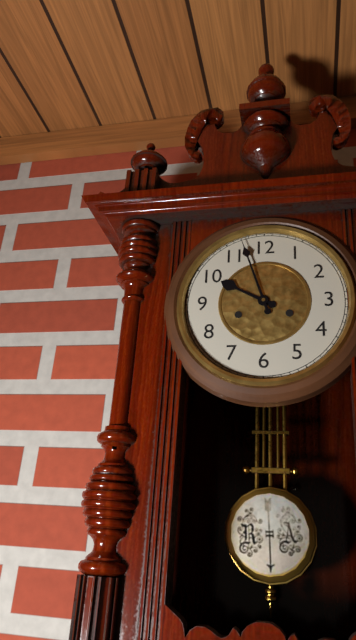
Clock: 9.57
